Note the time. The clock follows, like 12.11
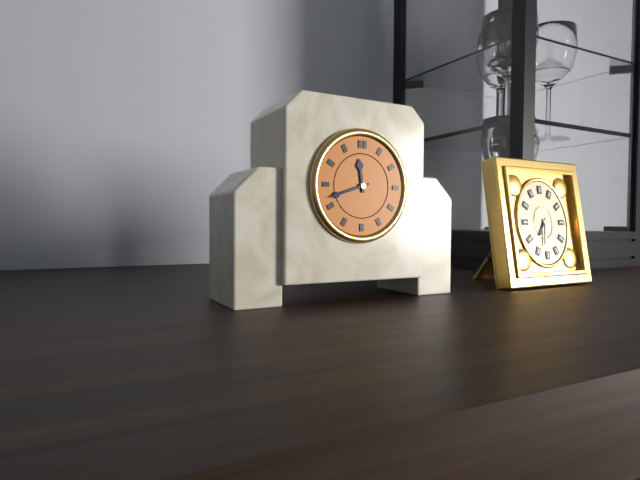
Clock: 11.42
